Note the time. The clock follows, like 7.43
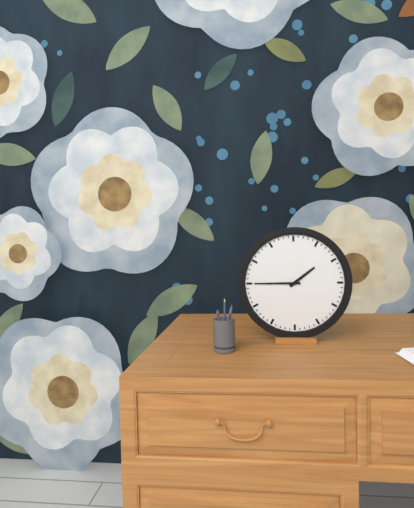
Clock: 1.45
